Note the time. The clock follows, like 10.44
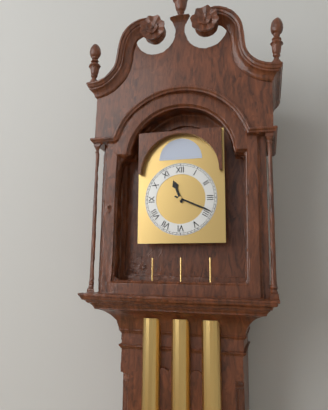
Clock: 11.19
